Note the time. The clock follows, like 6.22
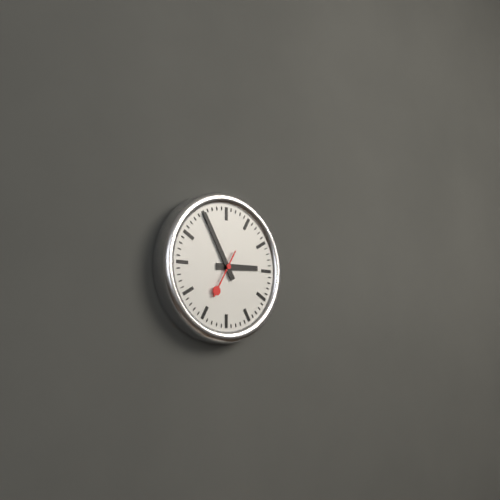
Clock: 2.55
